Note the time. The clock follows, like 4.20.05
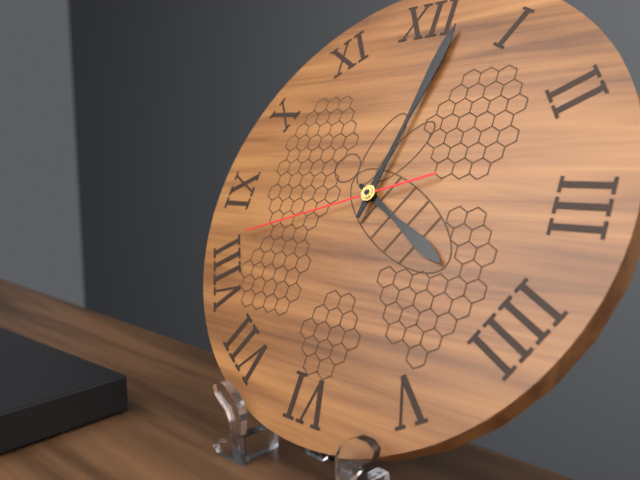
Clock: 4.02.42
